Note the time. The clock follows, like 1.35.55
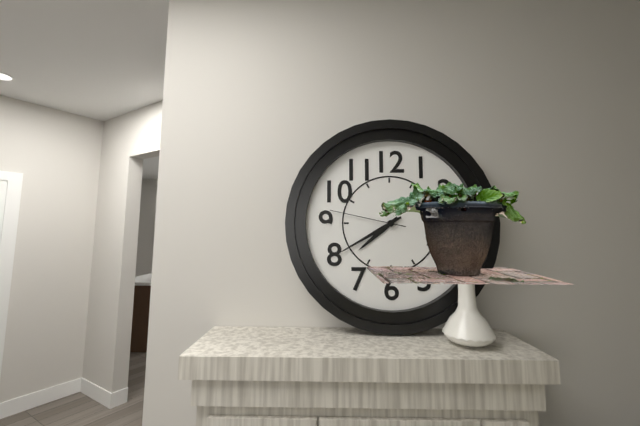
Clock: 7.40.47
